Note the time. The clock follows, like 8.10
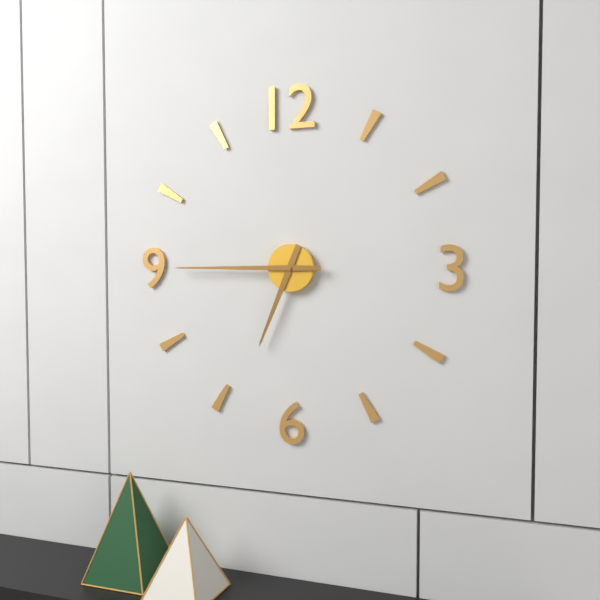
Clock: 6.45
